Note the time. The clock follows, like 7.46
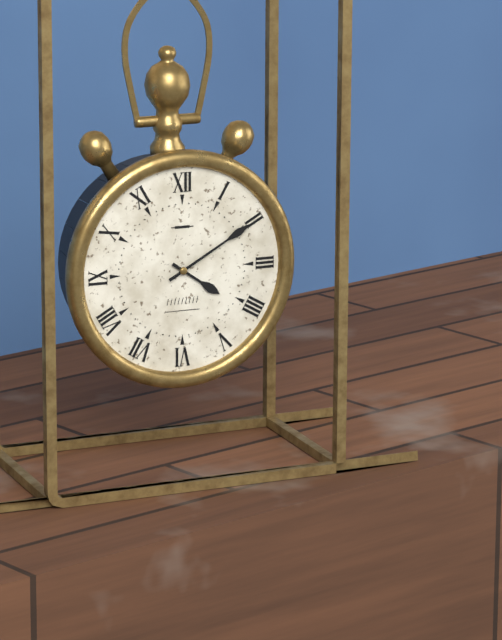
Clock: 4.10
